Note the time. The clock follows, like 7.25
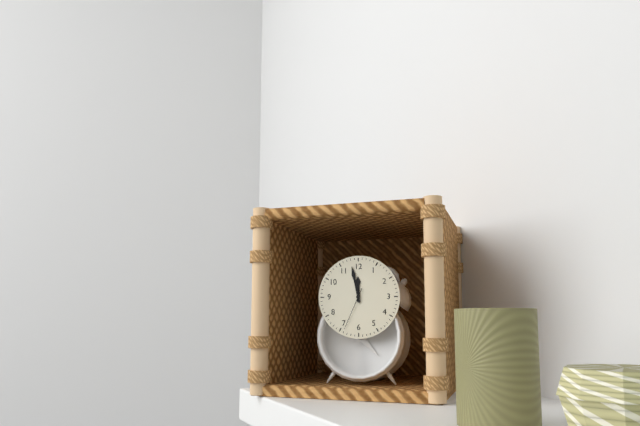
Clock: 11.58
